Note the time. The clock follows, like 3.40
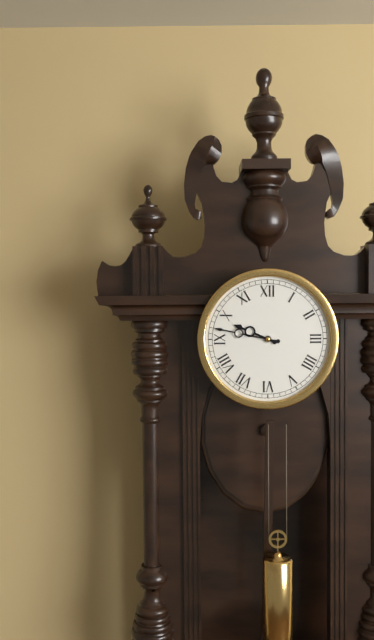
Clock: 9.47
